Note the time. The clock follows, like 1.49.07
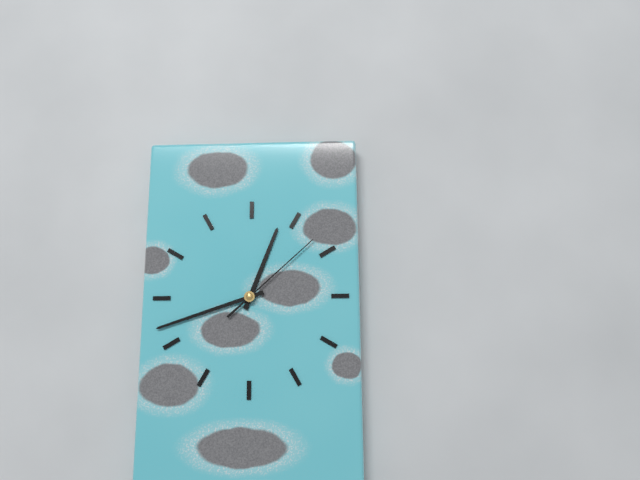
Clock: 12.42.08
